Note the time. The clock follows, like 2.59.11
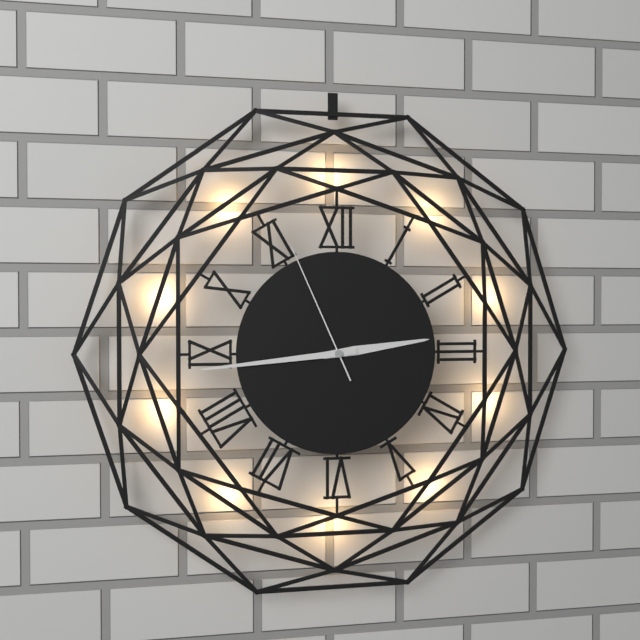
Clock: 2.44.56
